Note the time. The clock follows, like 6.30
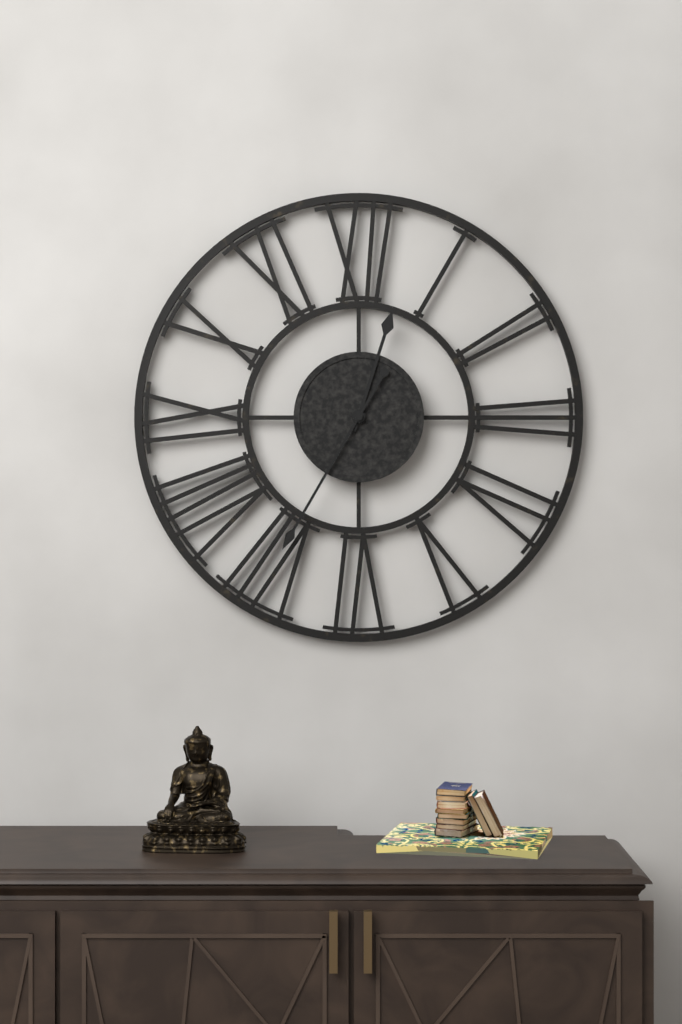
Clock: 12.35
